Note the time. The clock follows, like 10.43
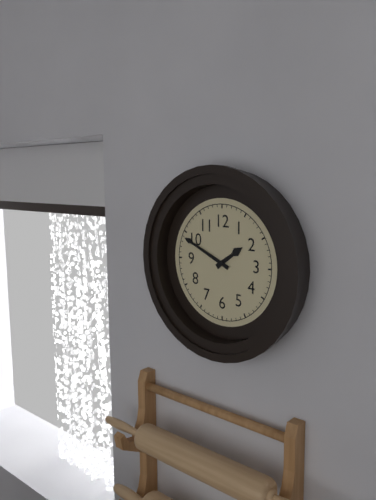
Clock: 1.49
